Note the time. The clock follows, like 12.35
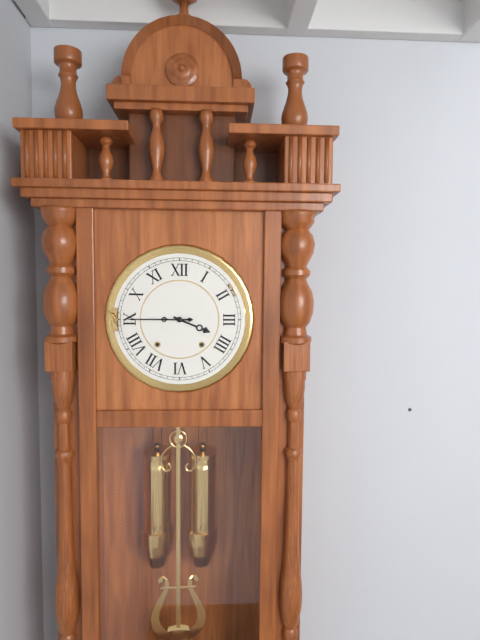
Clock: 3.45
